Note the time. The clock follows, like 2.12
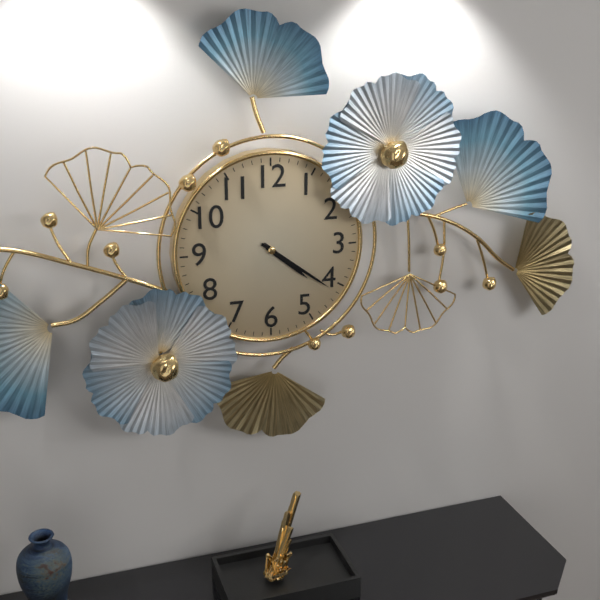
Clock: 4.21
